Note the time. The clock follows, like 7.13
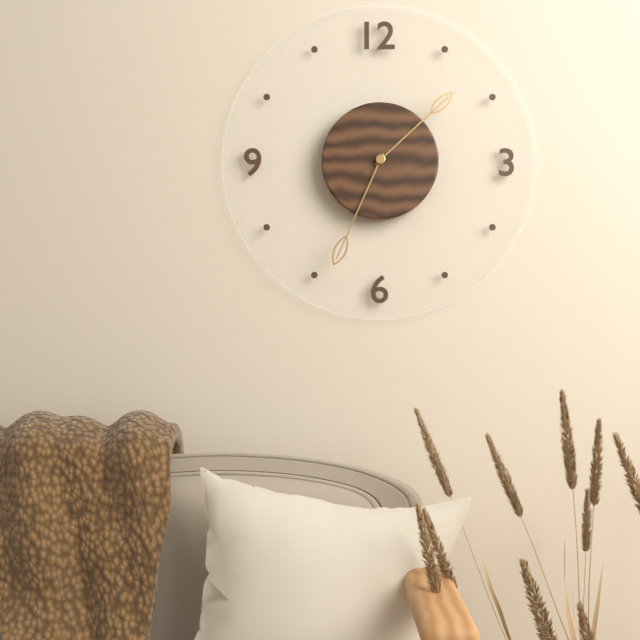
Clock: 1.34
